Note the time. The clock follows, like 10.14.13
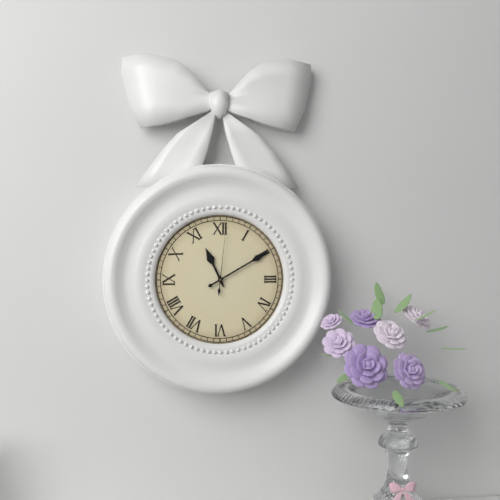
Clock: 11.10.01
